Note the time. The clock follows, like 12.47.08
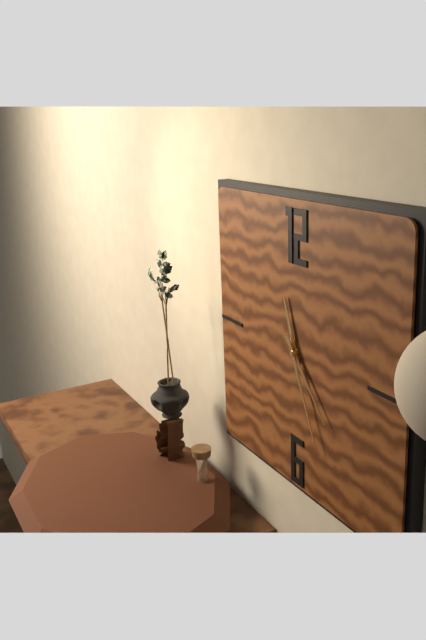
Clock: 11.23.26
